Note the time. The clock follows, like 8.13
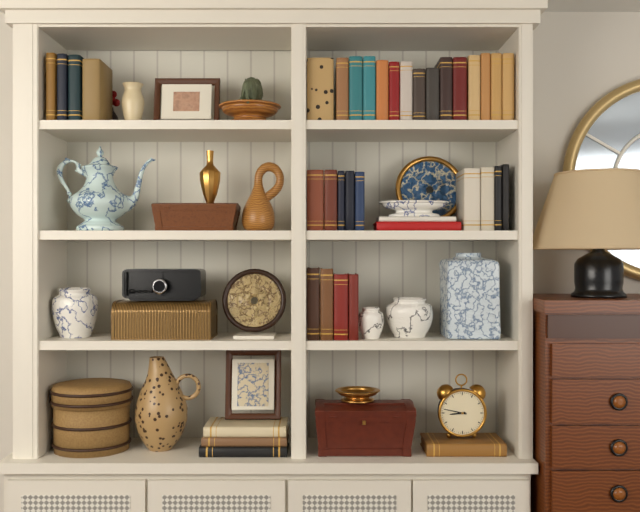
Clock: 8.47
